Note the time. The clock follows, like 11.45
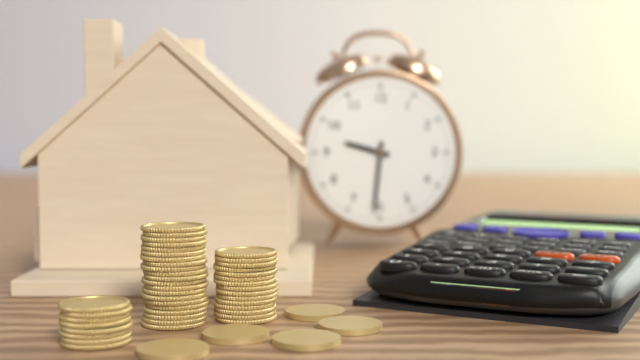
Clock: 9.31
